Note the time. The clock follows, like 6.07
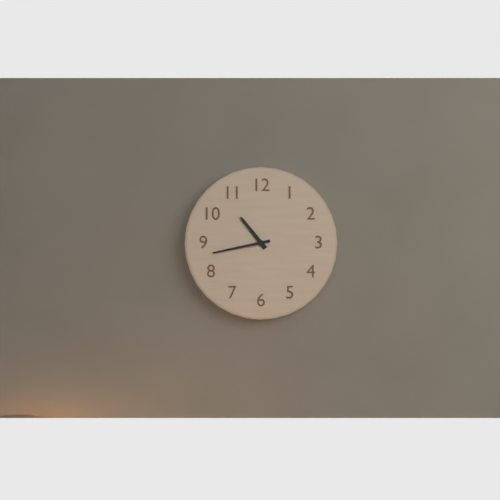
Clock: 10.43
